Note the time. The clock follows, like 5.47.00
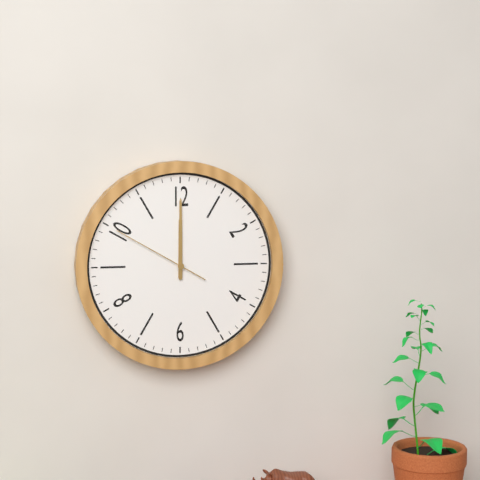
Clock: 12.00.50
